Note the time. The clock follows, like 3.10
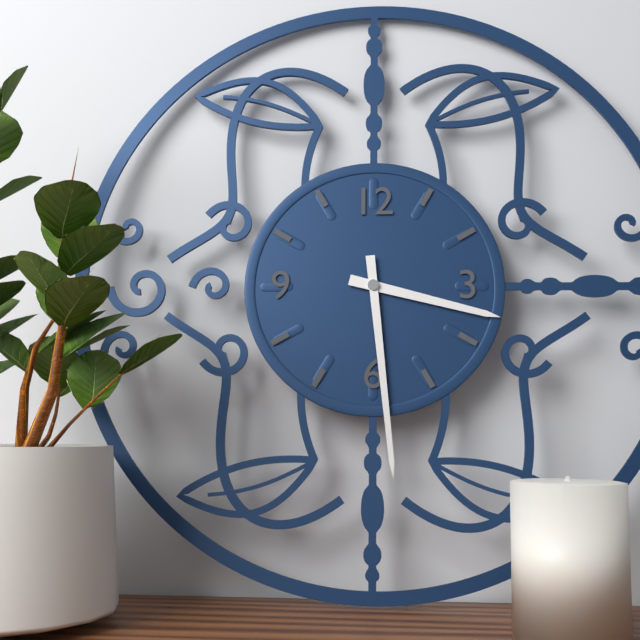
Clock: 3.29
